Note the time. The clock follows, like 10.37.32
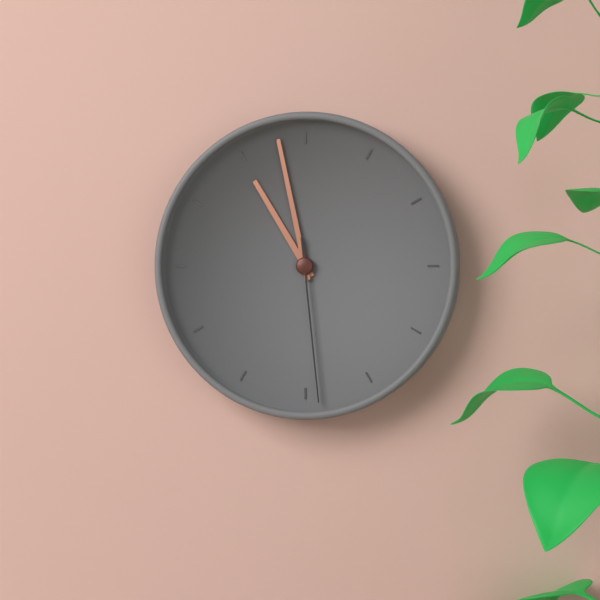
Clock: 10.58.29
